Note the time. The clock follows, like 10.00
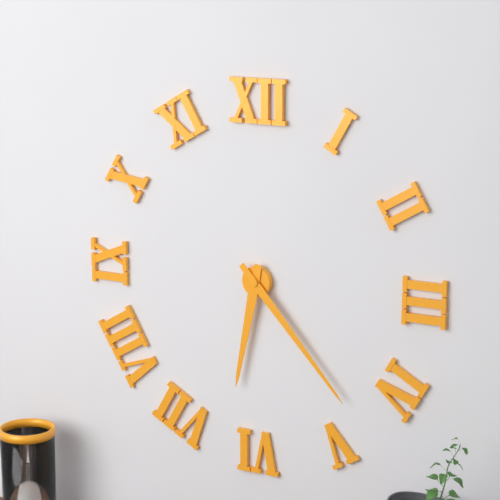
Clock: 6.23
